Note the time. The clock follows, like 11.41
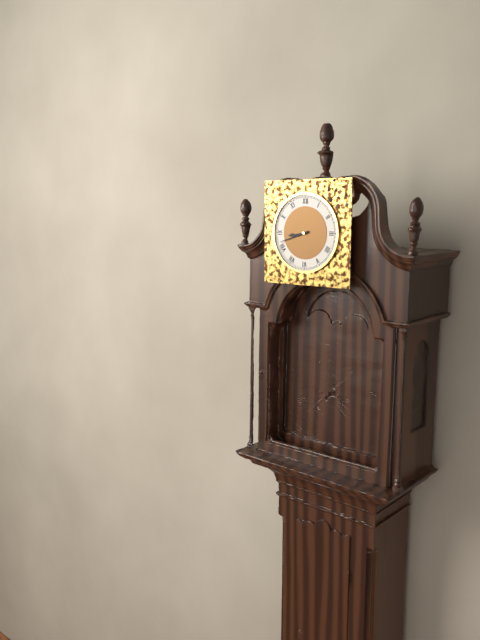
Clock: 8.42
